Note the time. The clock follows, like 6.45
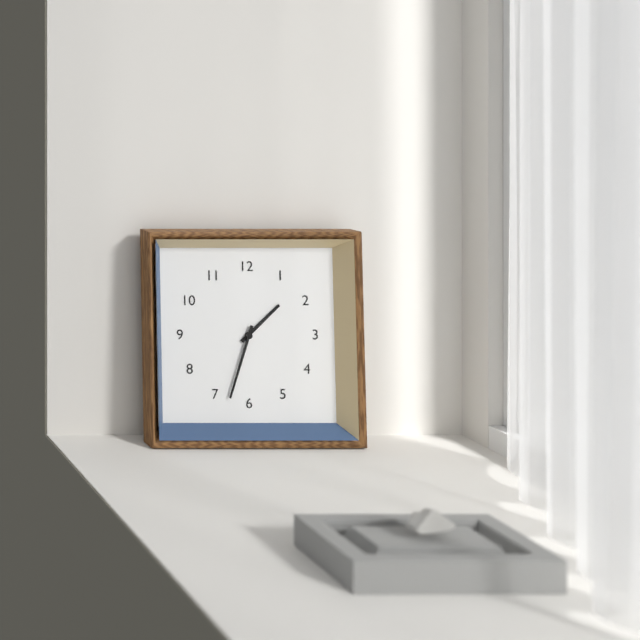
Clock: 1.33
